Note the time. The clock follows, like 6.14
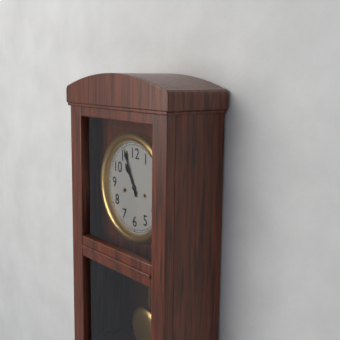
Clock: 10.56
